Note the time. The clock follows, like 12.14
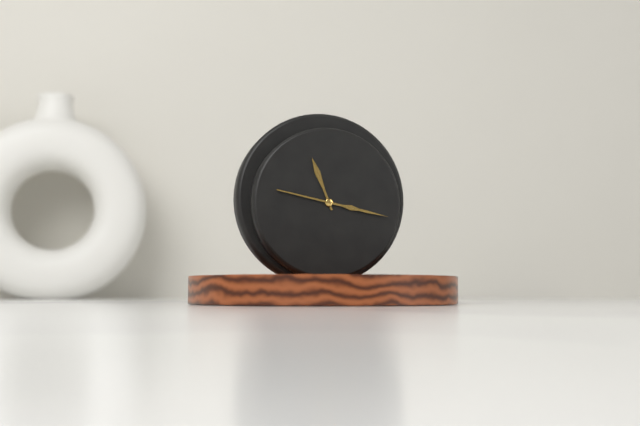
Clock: 11.17
